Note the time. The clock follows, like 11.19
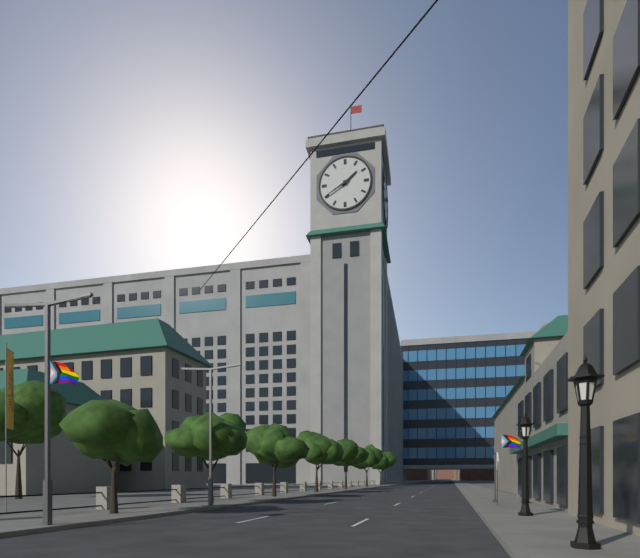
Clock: 1.40
